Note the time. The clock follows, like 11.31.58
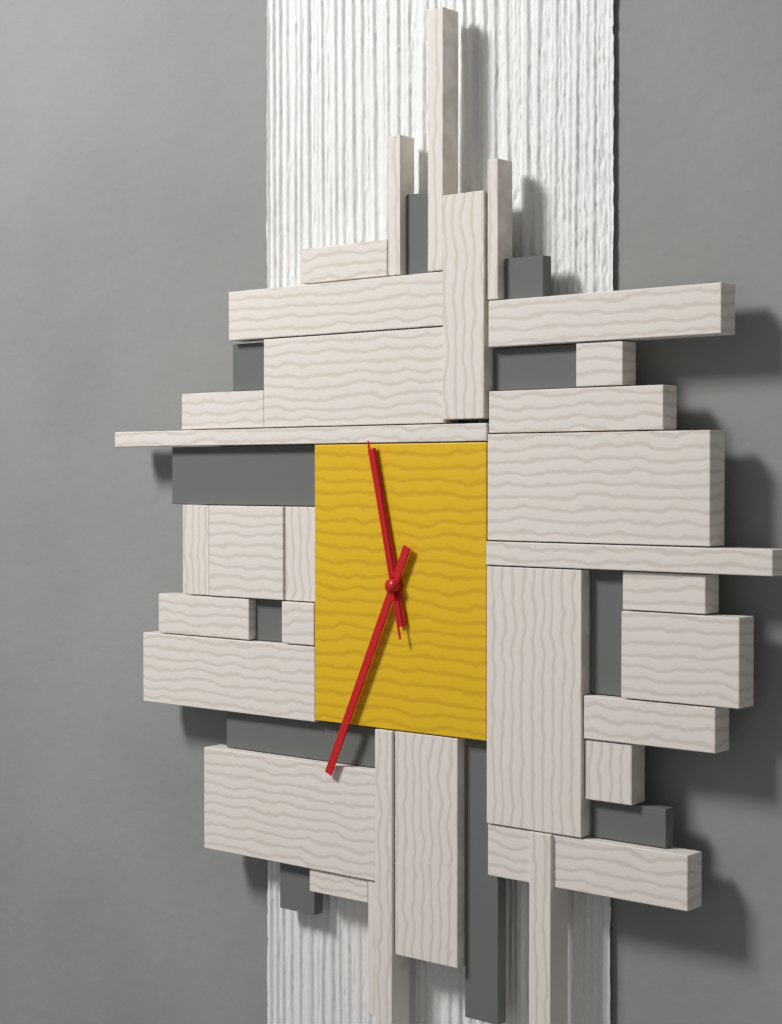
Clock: 11.34.58
